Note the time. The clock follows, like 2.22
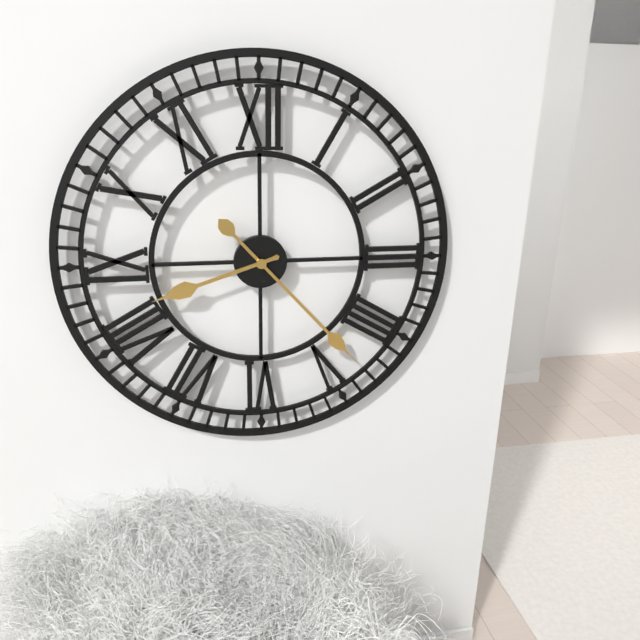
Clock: 8.23
